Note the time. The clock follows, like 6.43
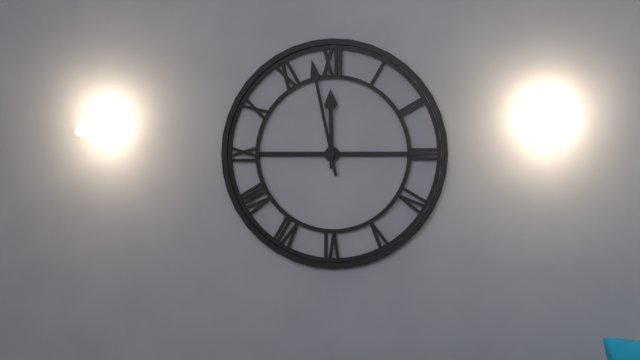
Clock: 11.58
